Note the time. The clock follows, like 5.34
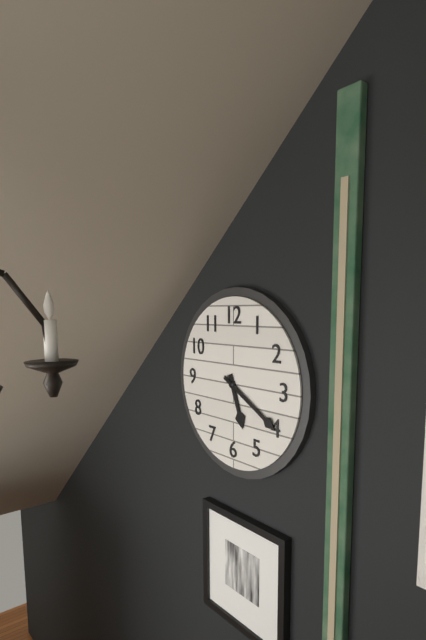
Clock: 5.20
